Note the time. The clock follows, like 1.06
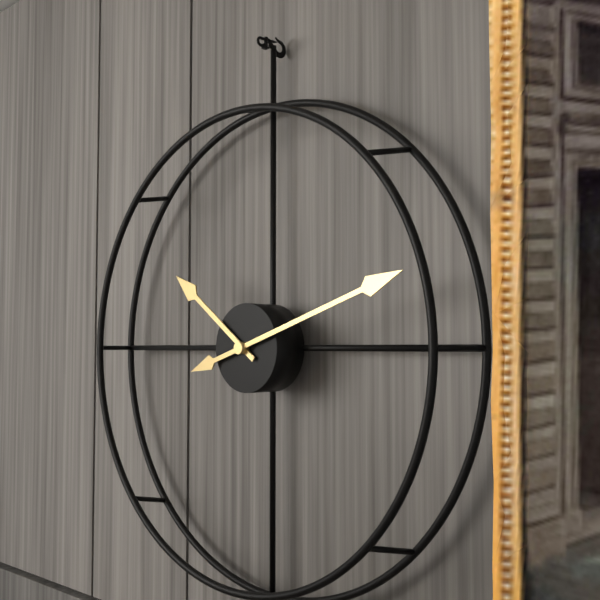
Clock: 10.12
